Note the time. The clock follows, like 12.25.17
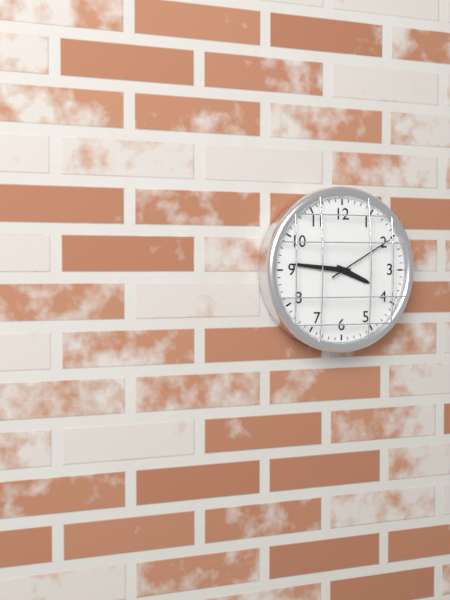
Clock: 3.46.10
